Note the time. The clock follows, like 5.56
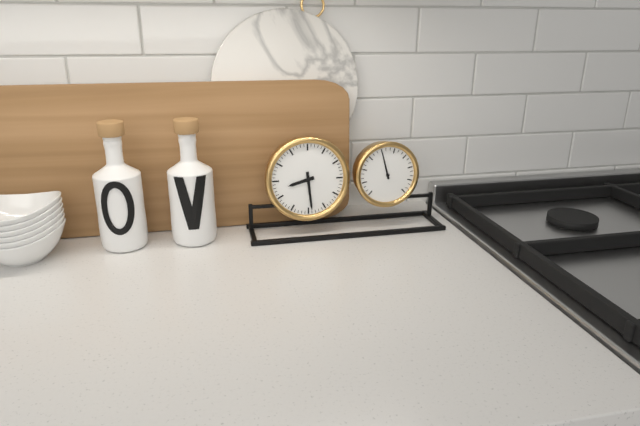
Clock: 8.29
